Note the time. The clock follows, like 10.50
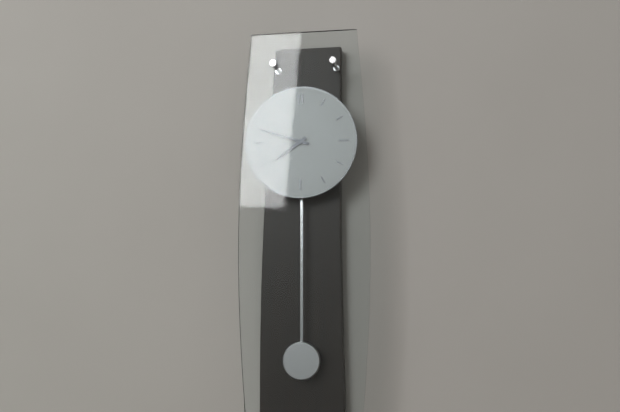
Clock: 7.48
